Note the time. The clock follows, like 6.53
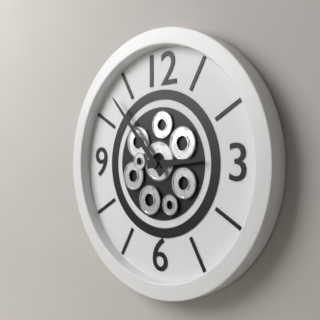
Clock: 2.53
